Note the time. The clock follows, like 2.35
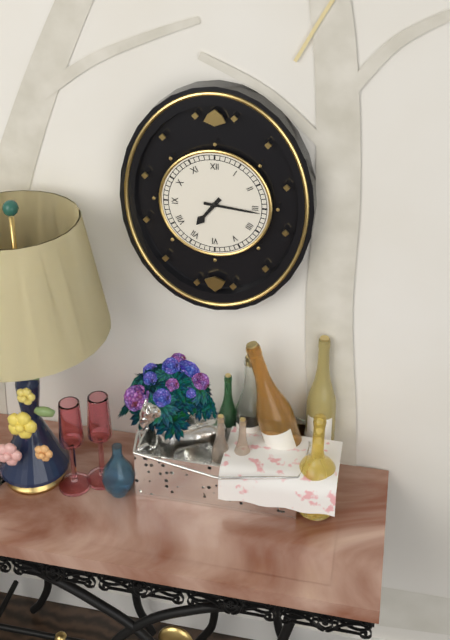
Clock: 7.16
